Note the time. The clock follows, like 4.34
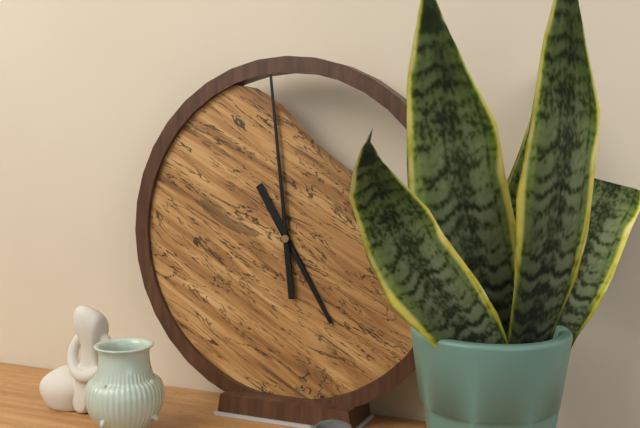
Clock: 4.59
